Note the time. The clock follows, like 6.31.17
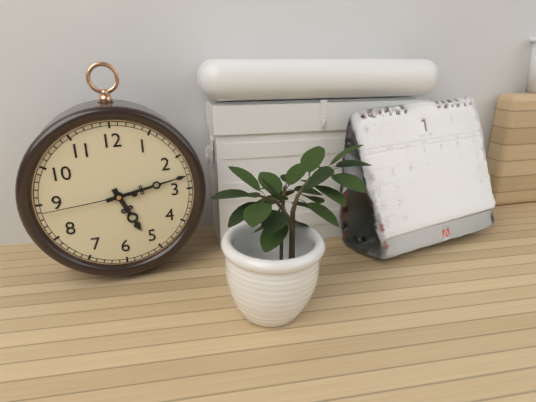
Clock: 5.13.44
